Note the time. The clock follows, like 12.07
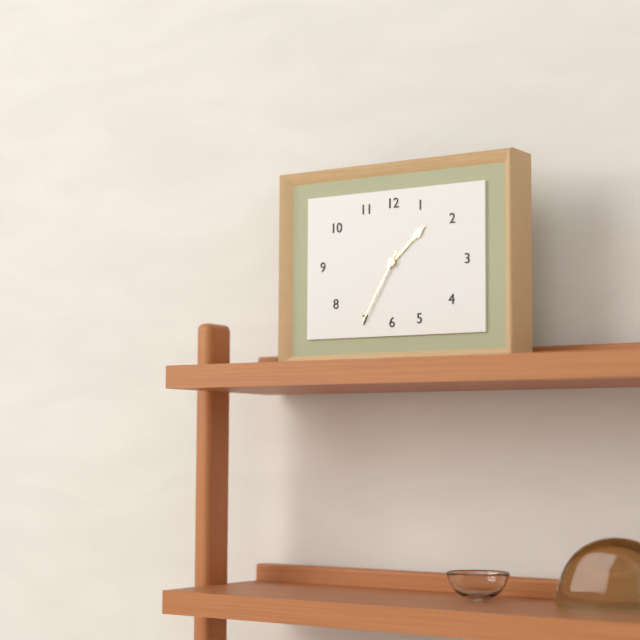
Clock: 1.35
